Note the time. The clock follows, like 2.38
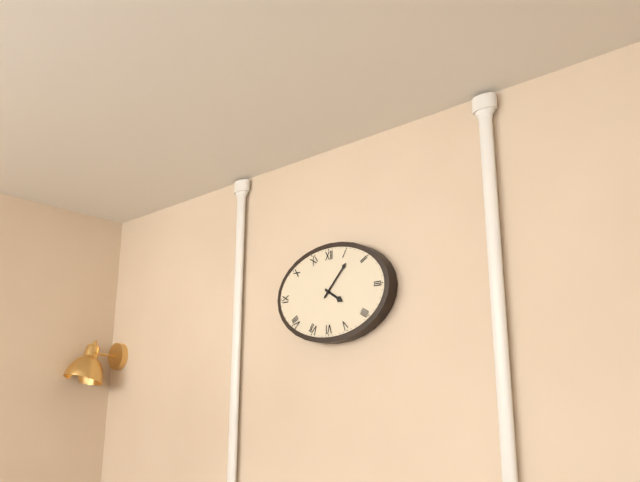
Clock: 4.07
